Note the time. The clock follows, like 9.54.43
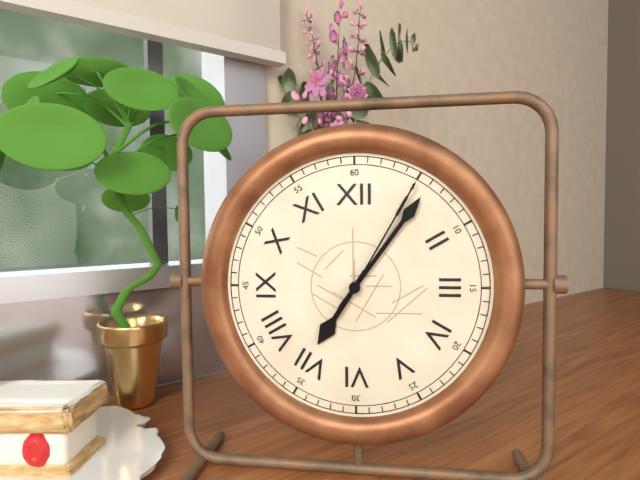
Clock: 7.06.05
